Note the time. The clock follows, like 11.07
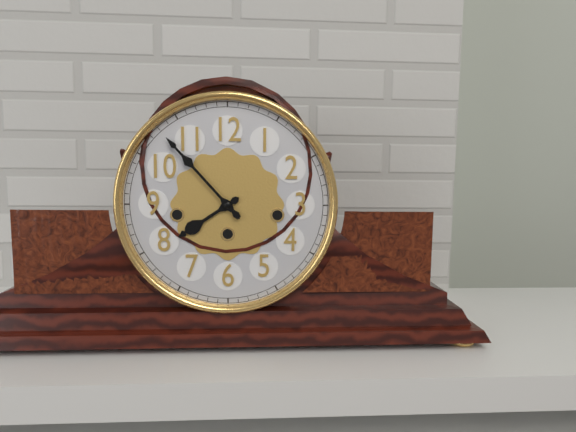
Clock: 7.53
